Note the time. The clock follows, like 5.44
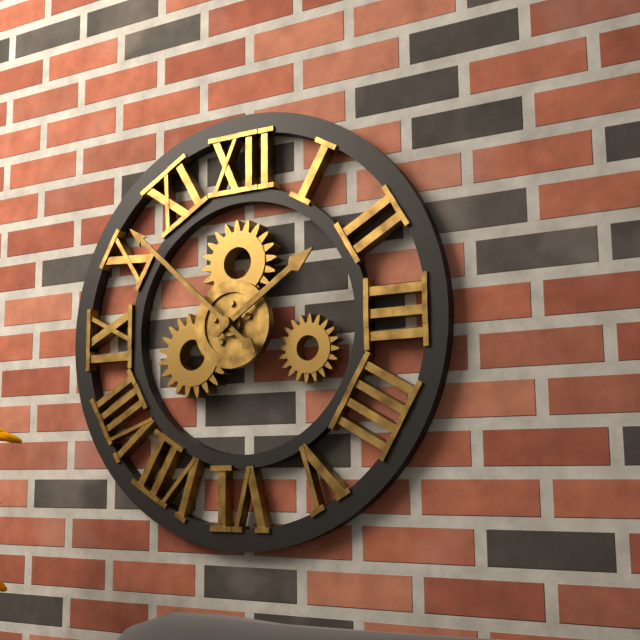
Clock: 1.52
